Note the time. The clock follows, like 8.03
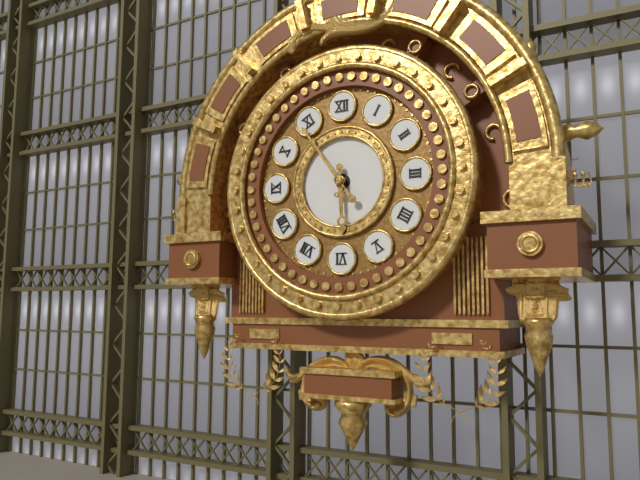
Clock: 5.54
